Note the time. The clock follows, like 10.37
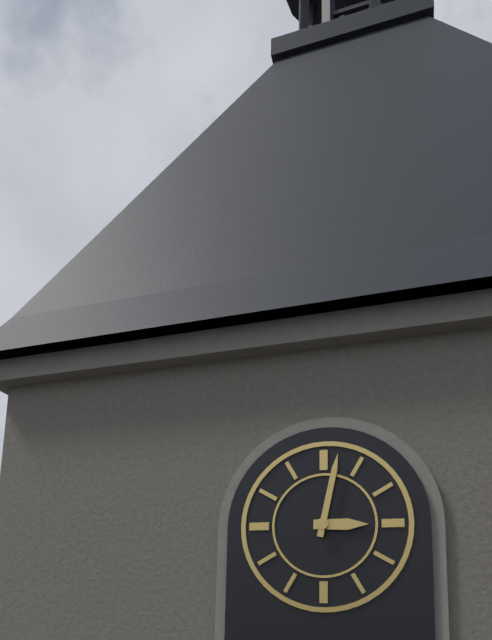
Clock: 3.02
